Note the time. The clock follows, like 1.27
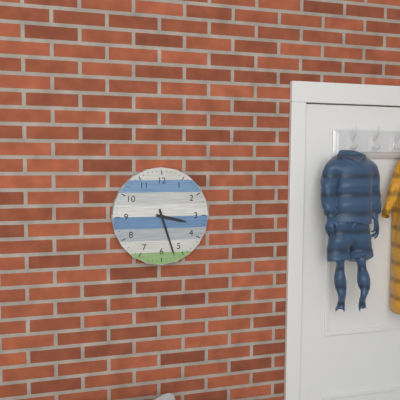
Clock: 3.27
